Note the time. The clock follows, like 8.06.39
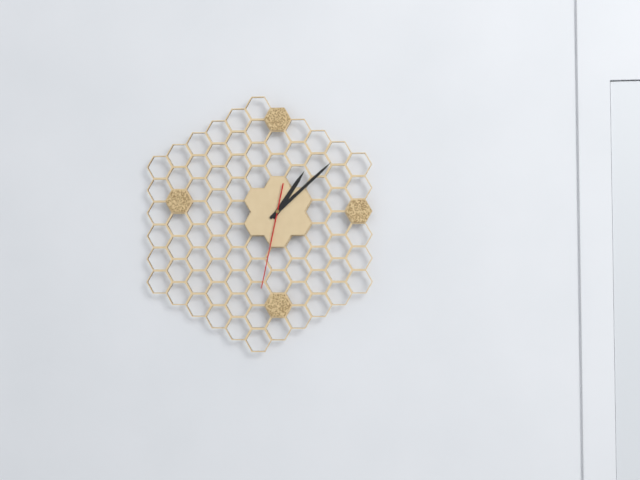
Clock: 1.08.32
